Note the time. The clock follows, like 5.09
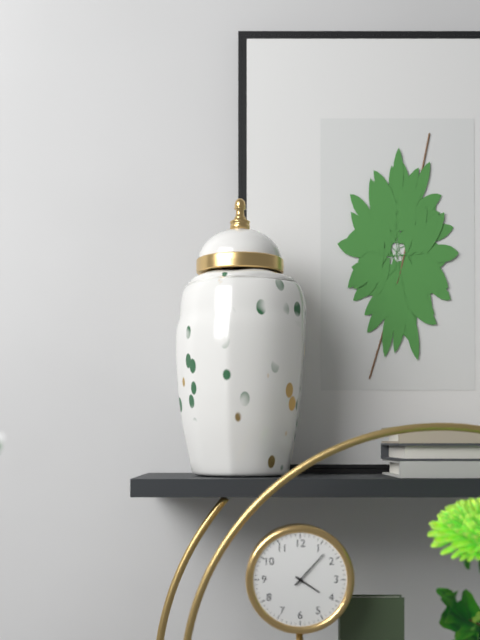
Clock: 4.07
